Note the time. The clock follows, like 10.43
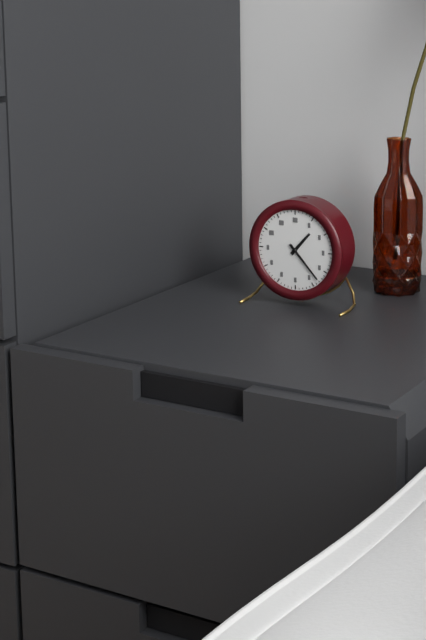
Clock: 1.23
